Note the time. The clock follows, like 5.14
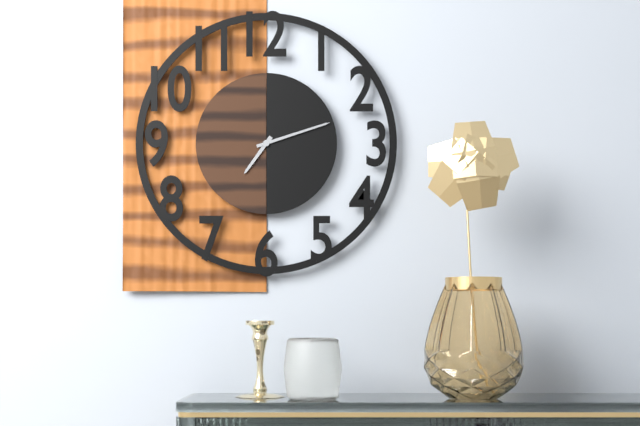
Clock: 7.12
